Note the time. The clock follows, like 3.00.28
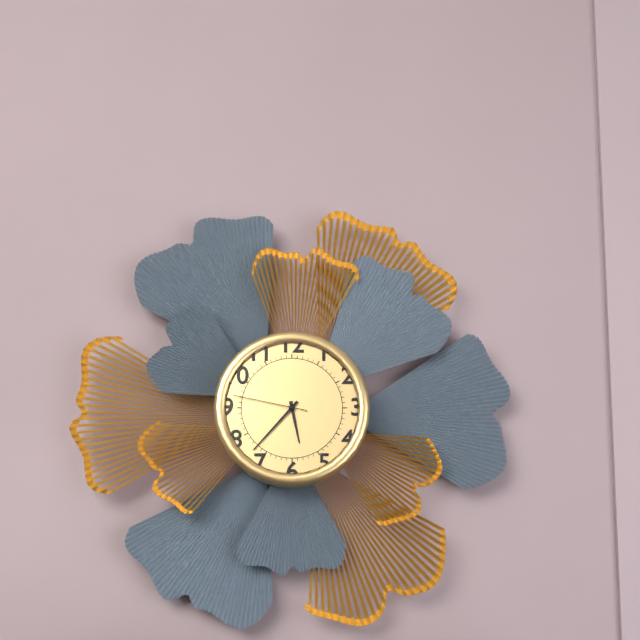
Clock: 5.37.47
